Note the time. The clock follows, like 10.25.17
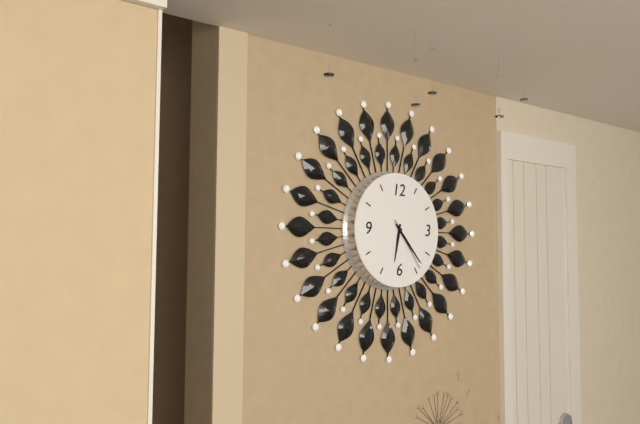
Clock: 6.23.24
